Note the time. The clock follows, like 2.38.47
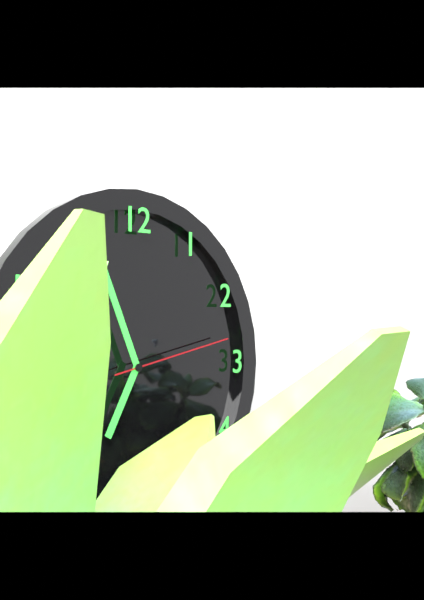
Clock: 6.56.13
